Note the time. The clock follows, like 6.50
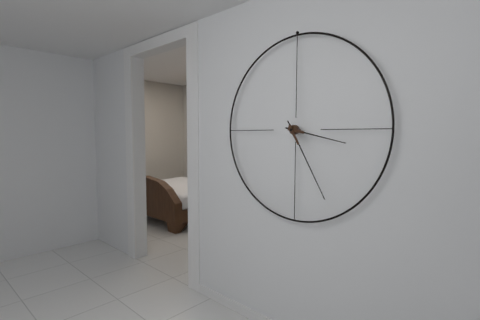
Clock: 3.25
